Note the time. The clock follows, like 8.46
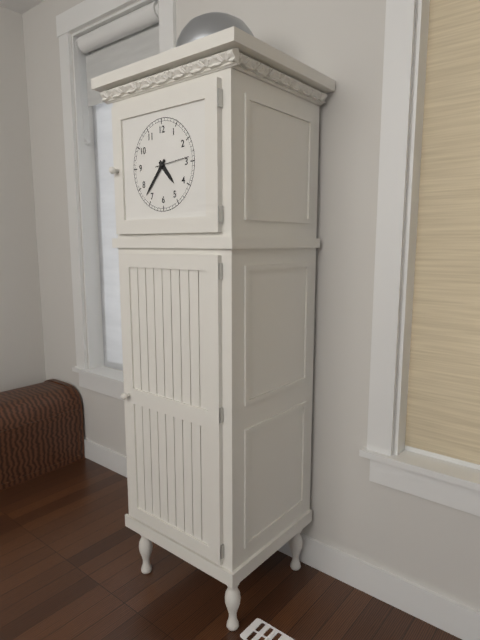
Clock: 4.37
